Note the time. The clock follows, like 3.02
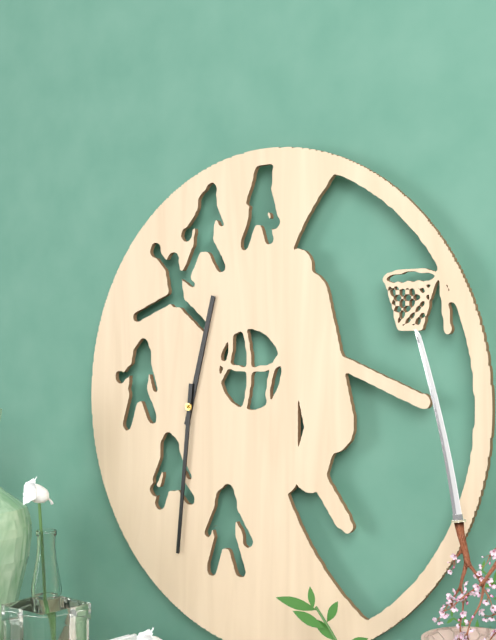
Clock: 12.31
